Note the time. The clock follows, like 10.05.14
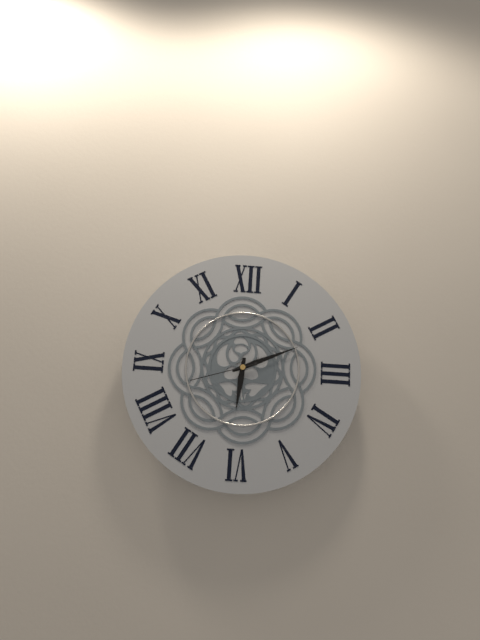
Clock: 6.11.42
